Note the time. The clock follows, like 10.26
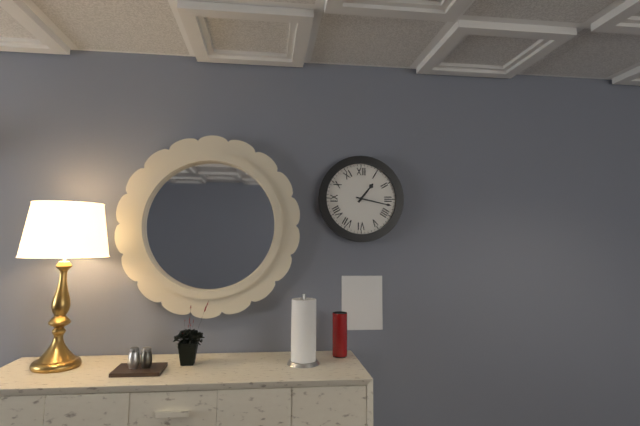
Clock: 1.17
